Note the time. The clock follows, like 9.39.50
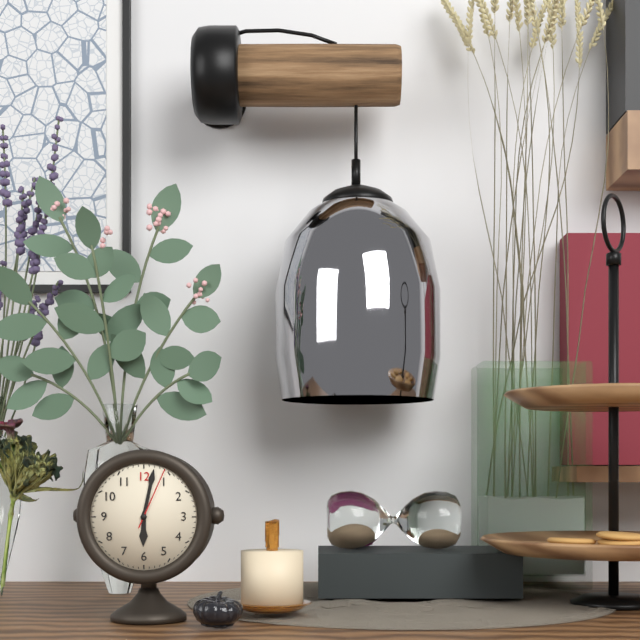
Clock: 6.02.04
